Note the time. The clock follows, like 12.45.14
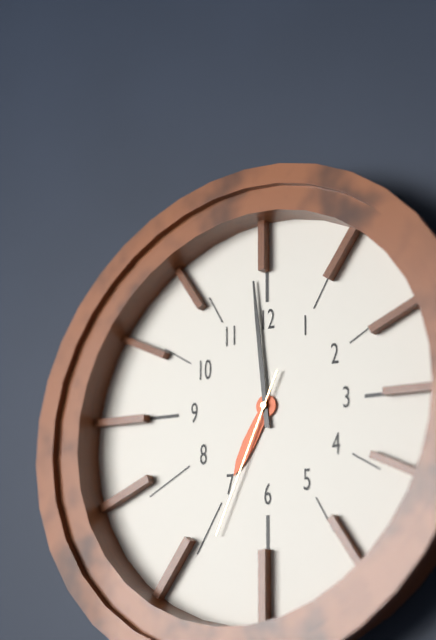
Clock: 6.59.34
